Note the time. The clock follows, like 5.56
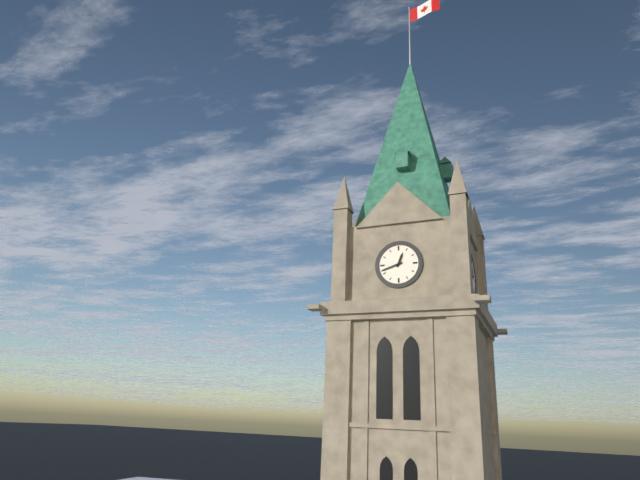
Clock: 12.42
